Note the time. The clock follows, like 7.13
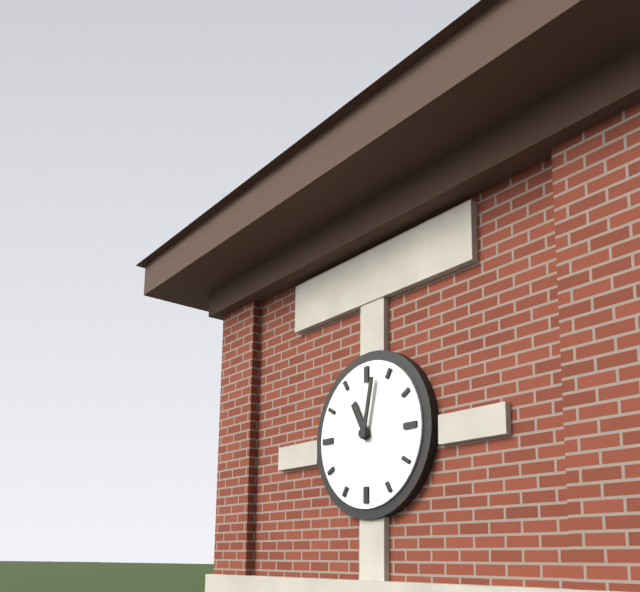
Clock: 11.02
